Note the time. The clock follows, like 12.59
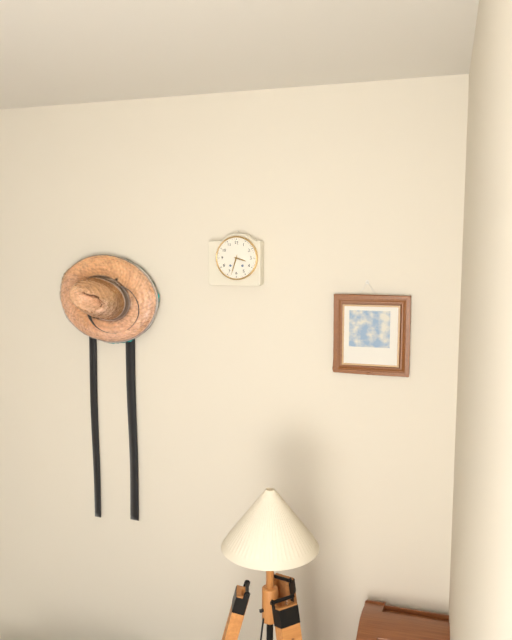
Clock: 3.33
